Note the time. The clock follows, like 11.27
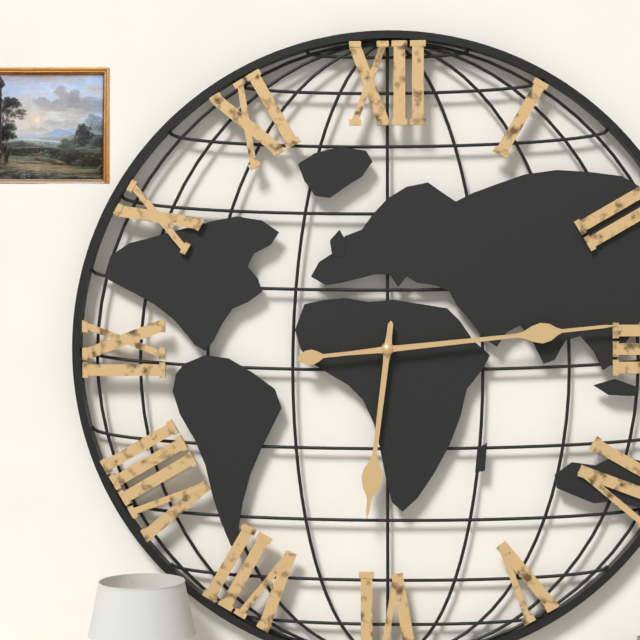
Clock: 6.14
